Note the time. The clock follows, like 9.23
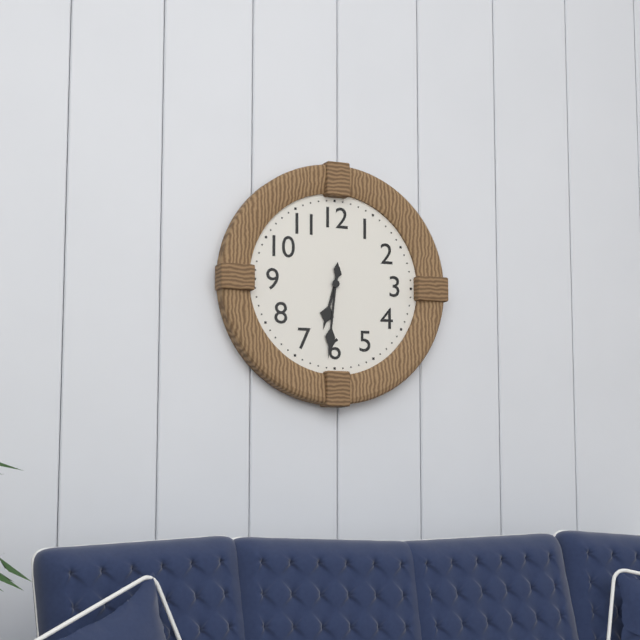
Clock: 6.31
